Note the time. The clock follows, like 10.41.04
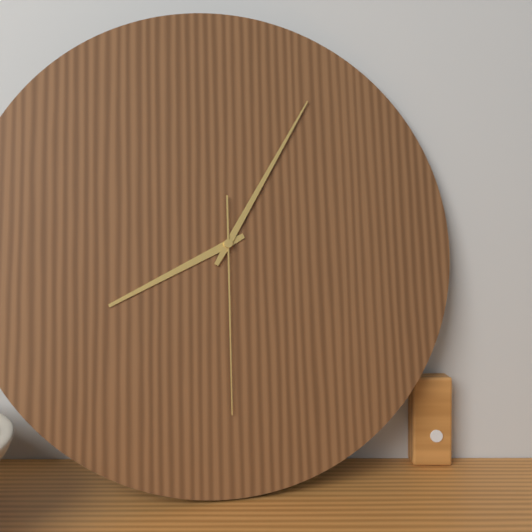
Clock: 8.05.30
